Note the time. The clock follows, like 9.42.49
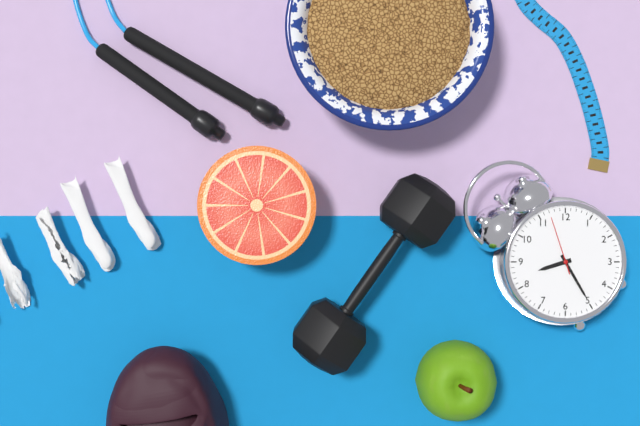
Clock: 8.25.57
